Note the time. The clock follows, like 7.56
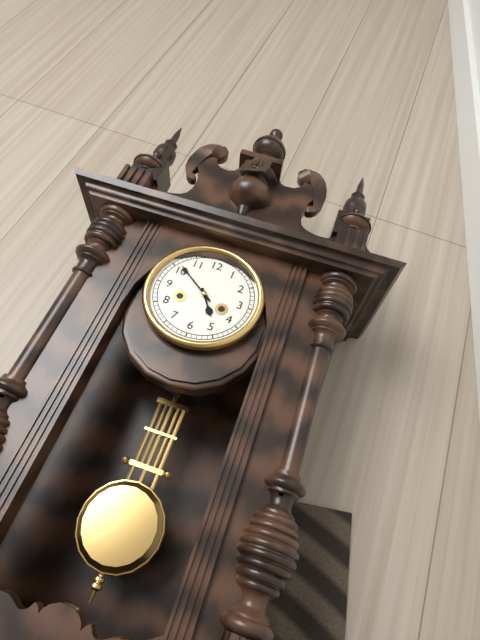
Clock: 4.51
